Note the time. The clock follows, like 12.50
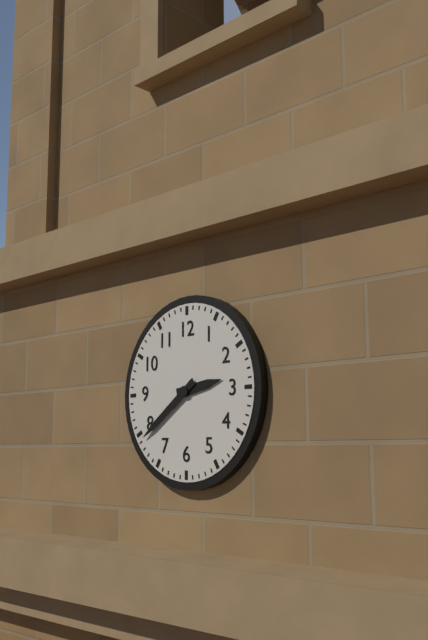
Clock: 2.39
